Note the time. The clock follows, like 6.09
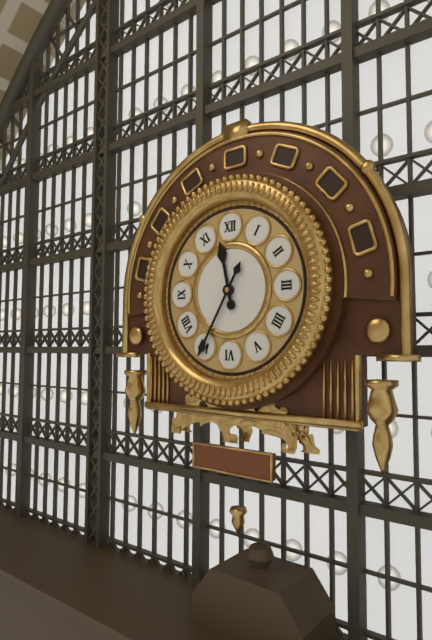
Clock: 11.35
